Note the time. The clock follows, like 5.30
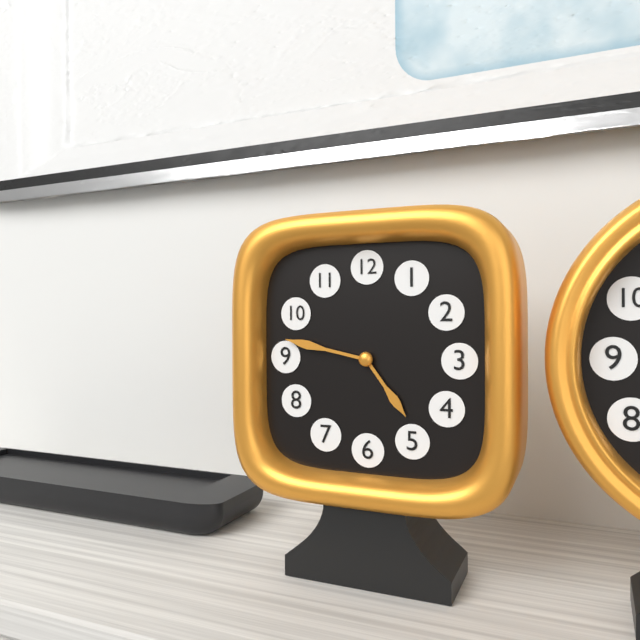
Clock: 4.47
